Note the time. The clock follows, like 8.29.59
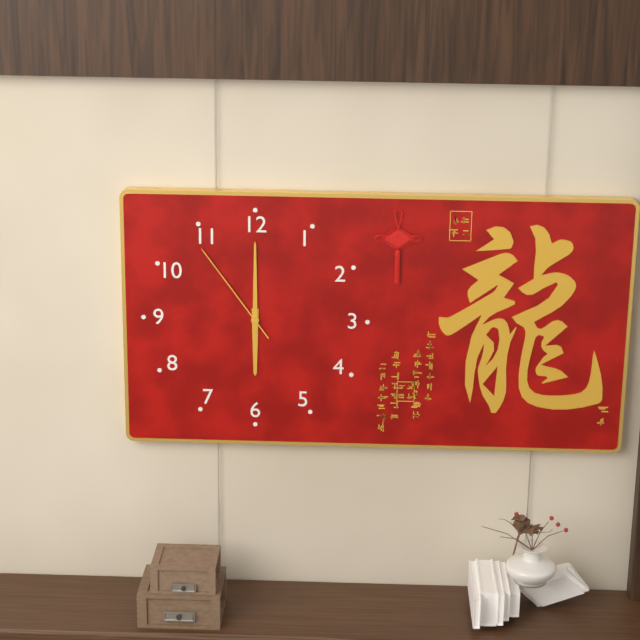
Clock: 6.00.54
